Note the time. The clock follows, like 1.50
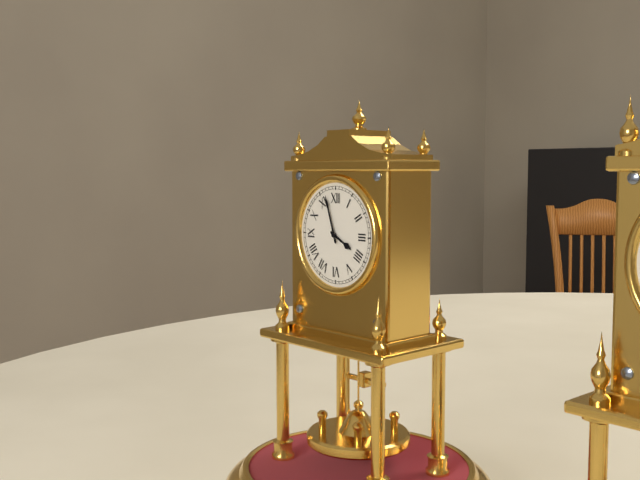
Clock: 3.57
